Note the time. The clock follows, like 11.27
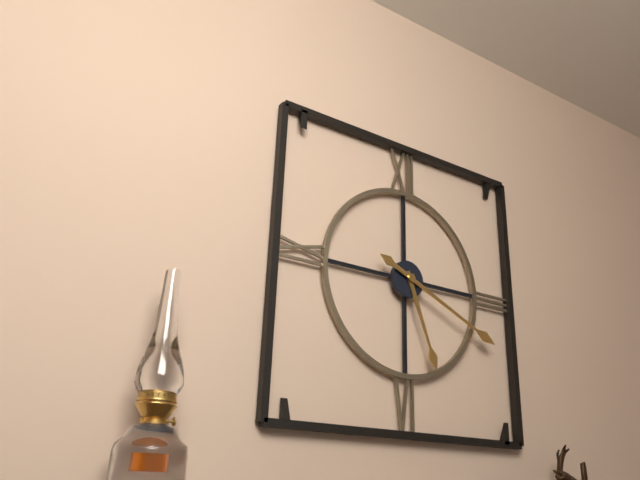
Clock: 5.19
